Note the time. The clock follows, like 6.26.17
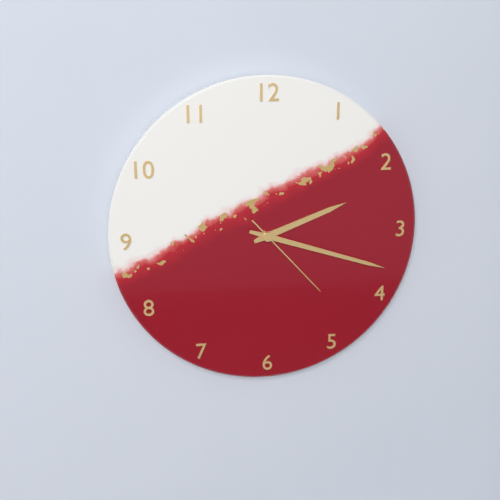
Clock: 2.18.23
